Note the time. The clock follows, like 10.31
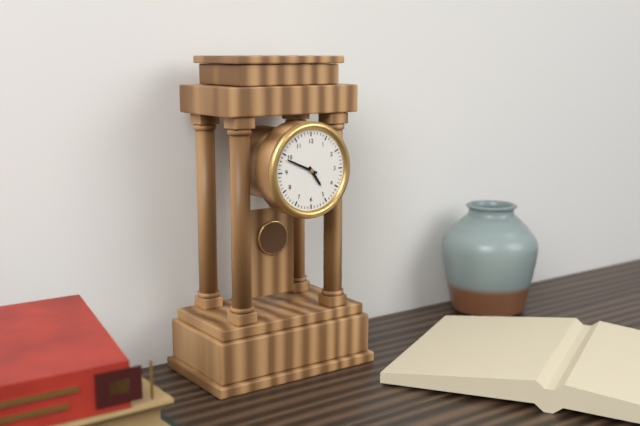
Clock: 4.49
